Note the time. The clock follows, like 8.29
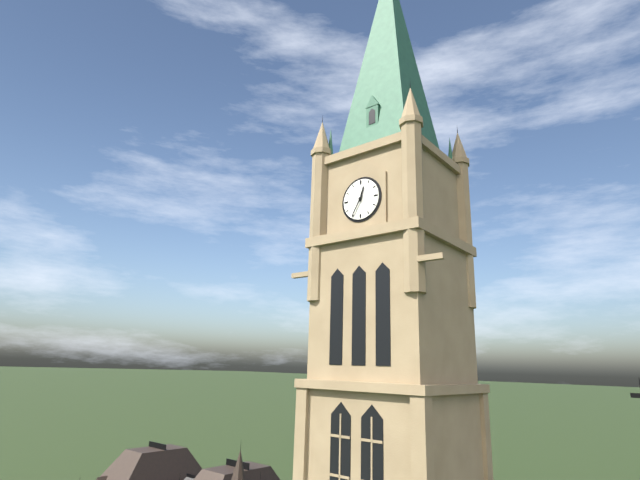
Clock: 12.35
